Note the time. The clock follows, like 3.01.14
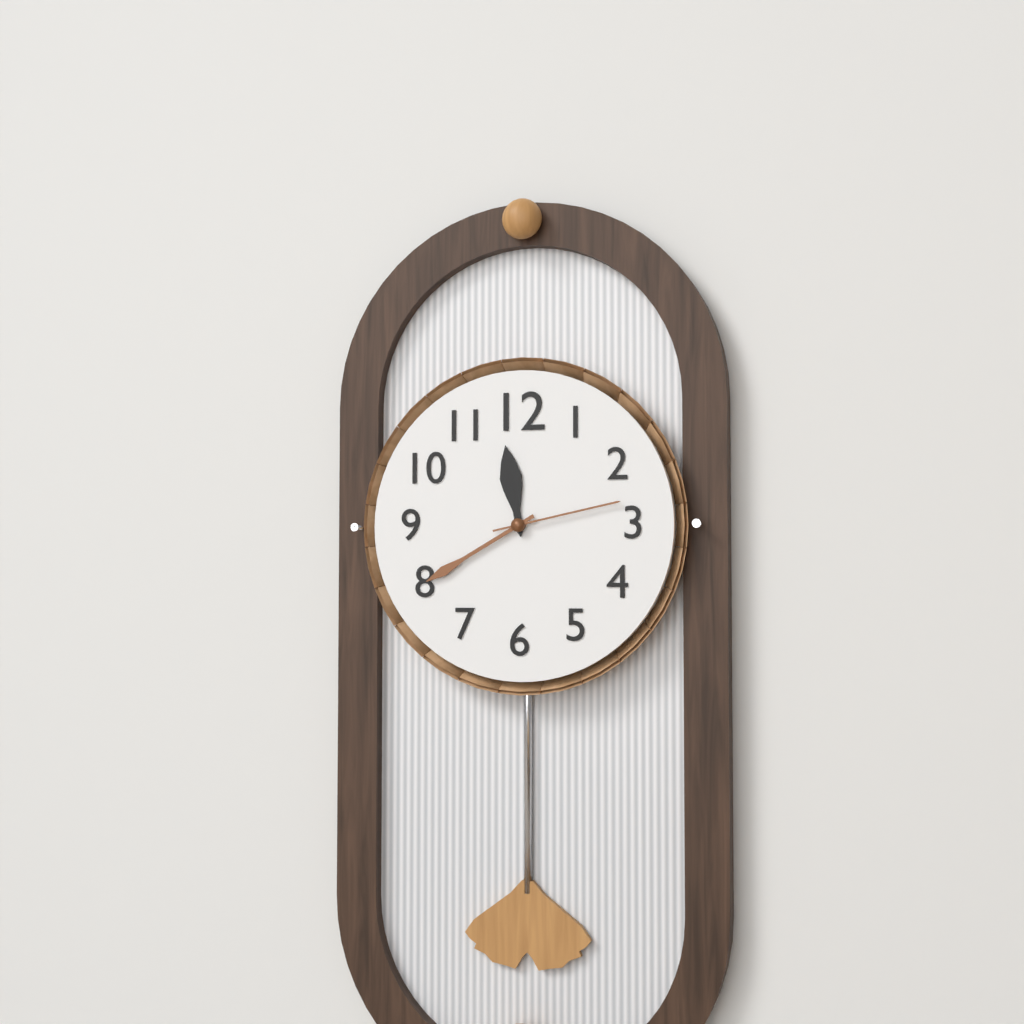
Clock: 11.40.13
